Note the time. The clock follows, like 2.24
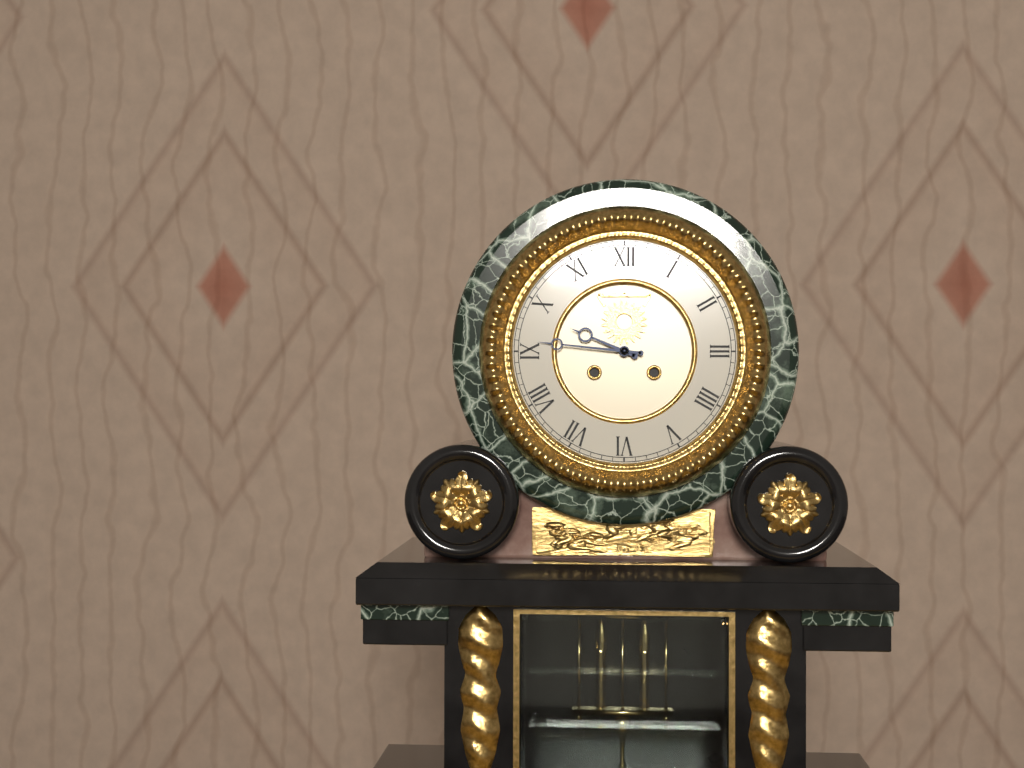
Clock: 9.46
